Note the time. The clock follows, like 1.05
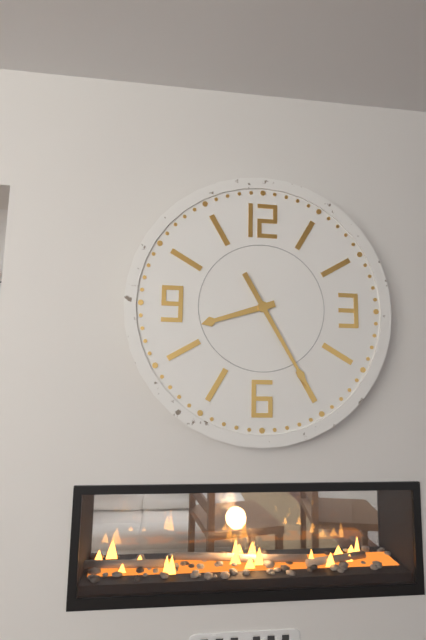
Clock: 8.25
